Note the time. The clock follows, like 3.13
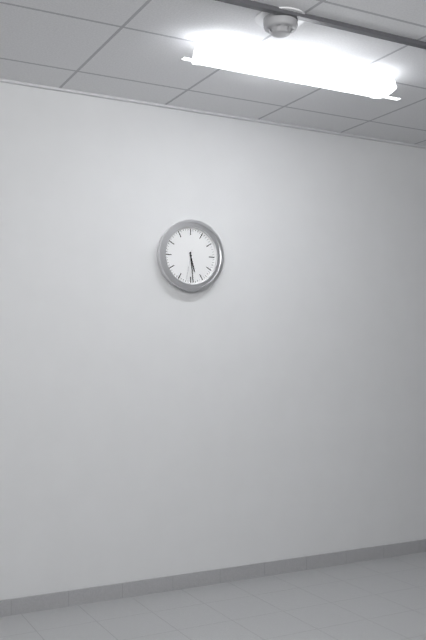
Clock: 5.29
